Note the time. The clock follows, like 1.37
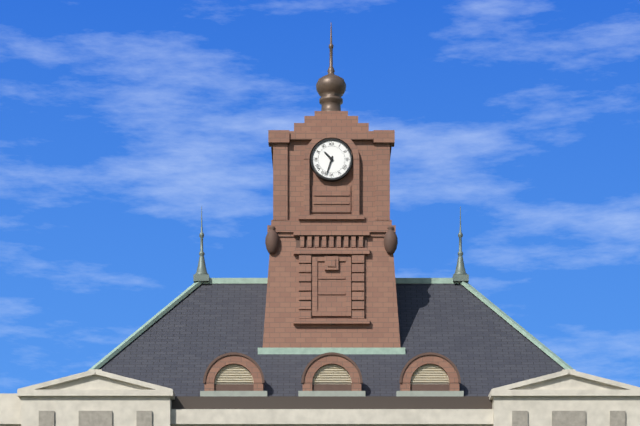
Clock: 10.33
